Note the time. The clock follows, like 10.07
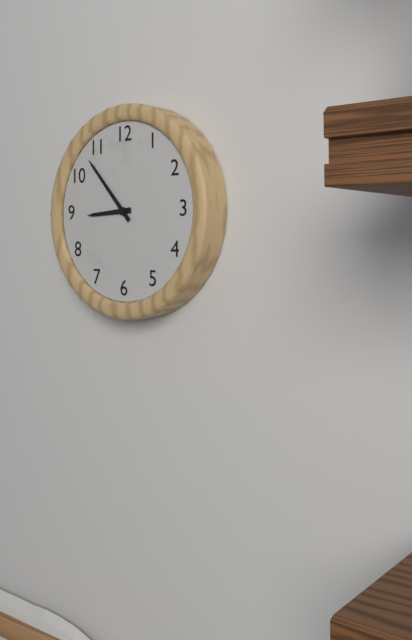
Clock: 8.53
